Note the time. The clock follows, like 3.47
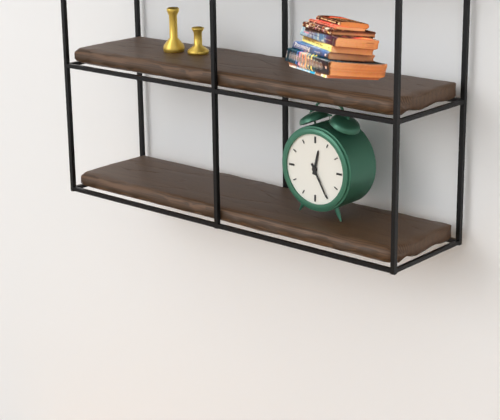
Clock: 12.25
